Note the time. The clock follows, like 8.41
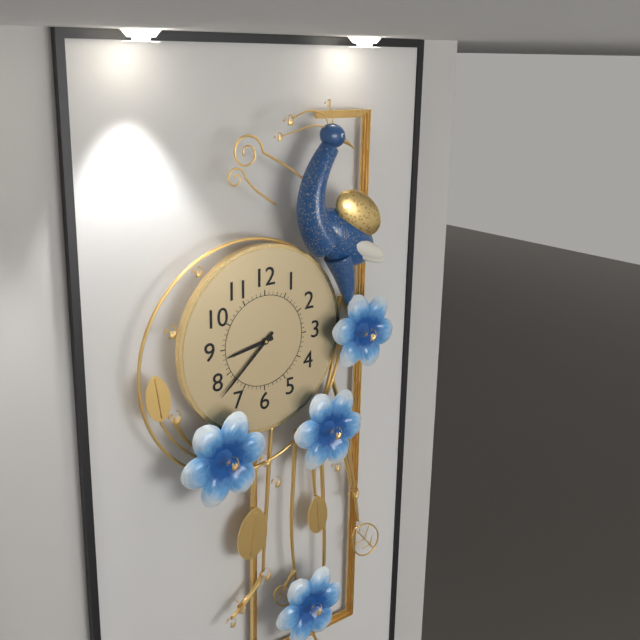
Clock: 8.38
